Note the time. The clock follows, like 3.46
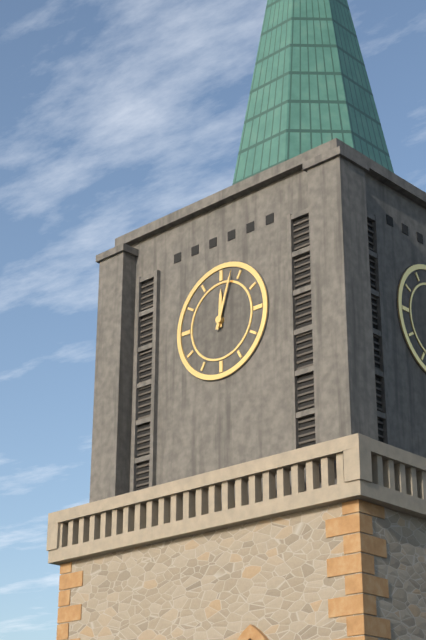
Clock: 12.03
